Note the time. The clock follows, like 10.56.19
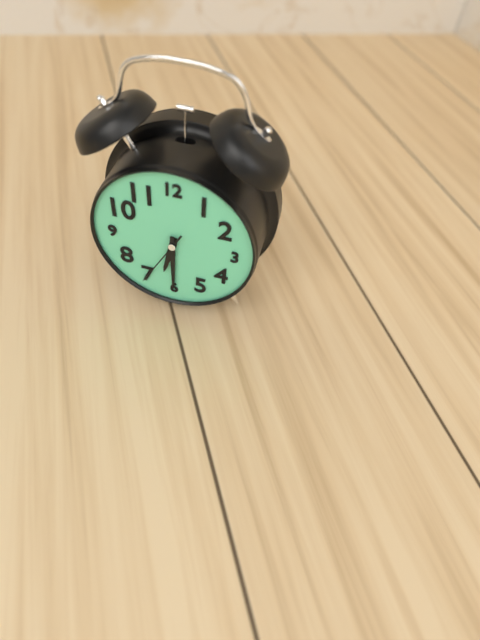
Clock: 6.30.35
